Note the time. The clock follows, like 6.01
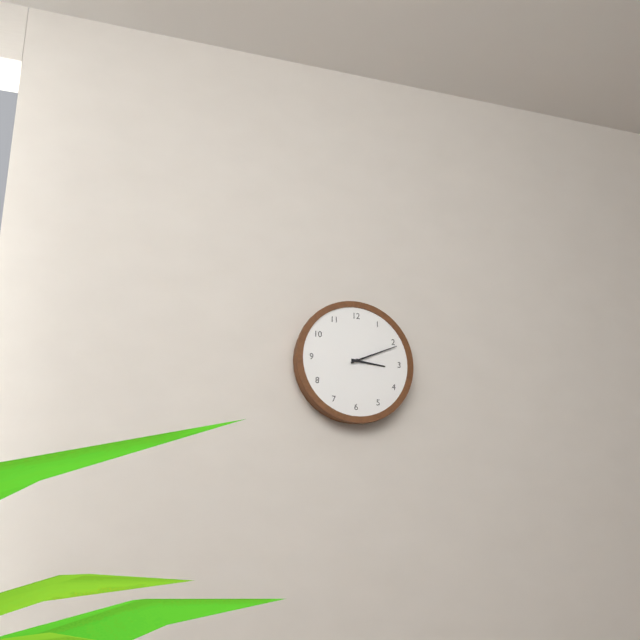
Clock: 3.11
